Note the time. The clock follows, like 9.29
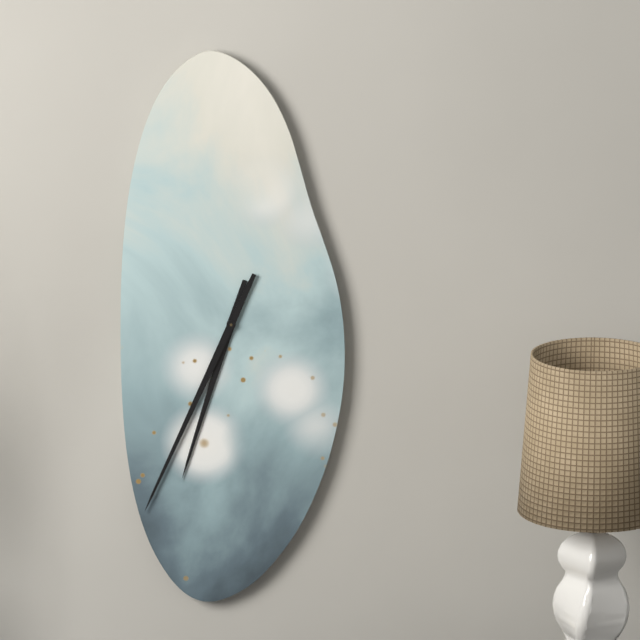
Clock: 6.34
